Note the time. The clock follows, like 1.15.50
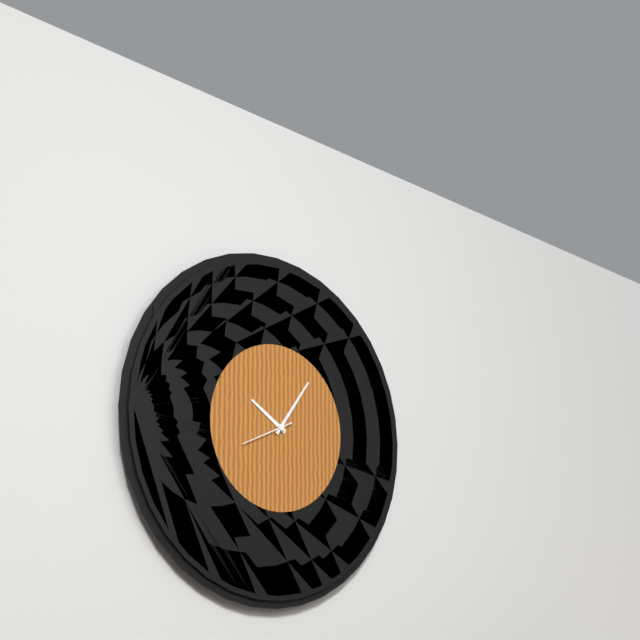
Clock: 10.06.41
